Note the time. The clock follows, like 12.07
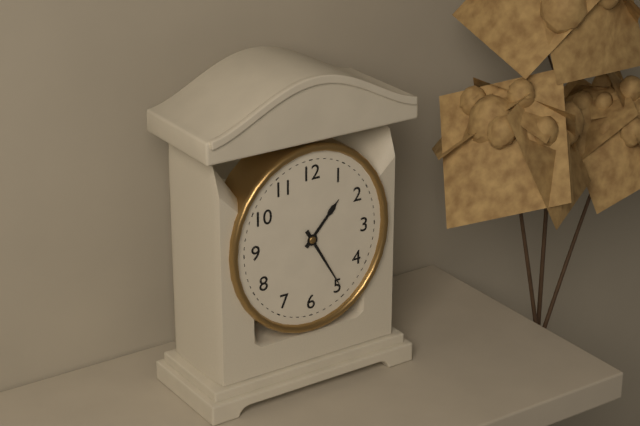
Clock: 1.25
